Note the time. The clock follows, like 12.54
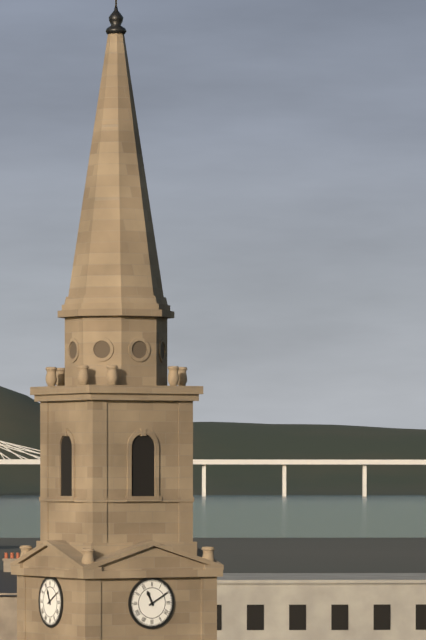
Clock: 11.10
